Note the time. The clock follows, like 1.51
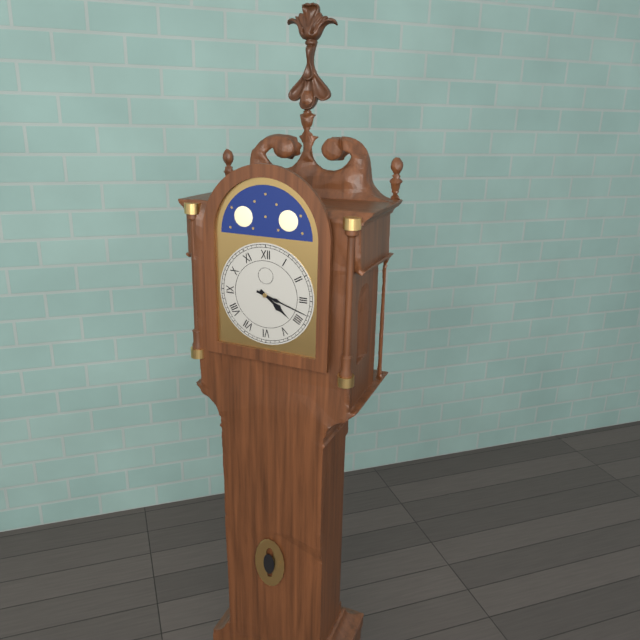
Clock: 4.18
